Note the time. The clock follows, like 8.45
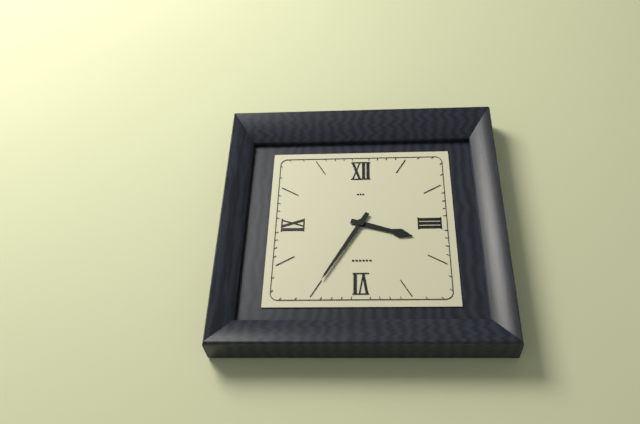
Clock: 3.35
